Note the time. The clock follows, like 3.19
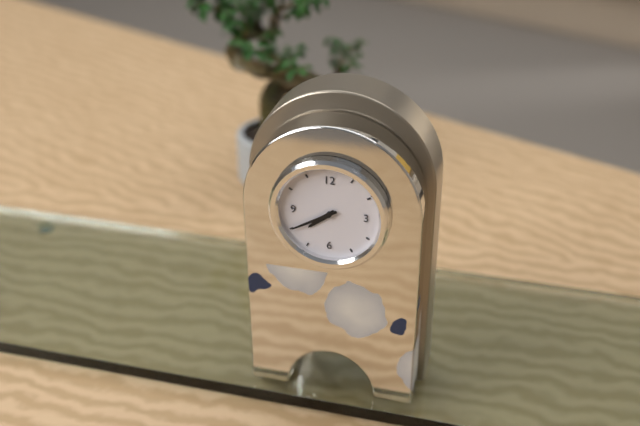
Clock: 7.40
